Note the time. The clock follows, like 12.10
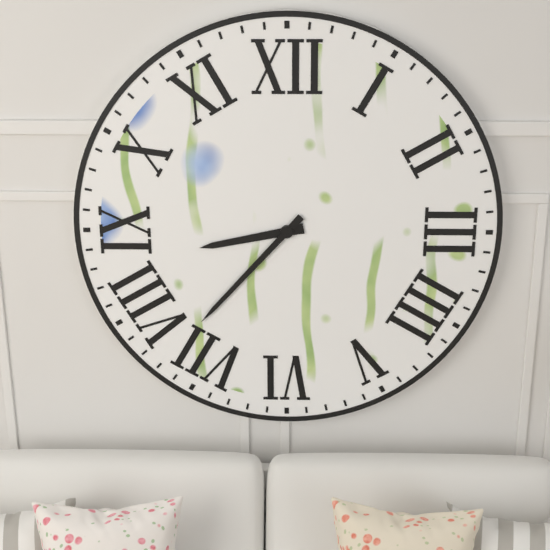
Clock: 8.37
